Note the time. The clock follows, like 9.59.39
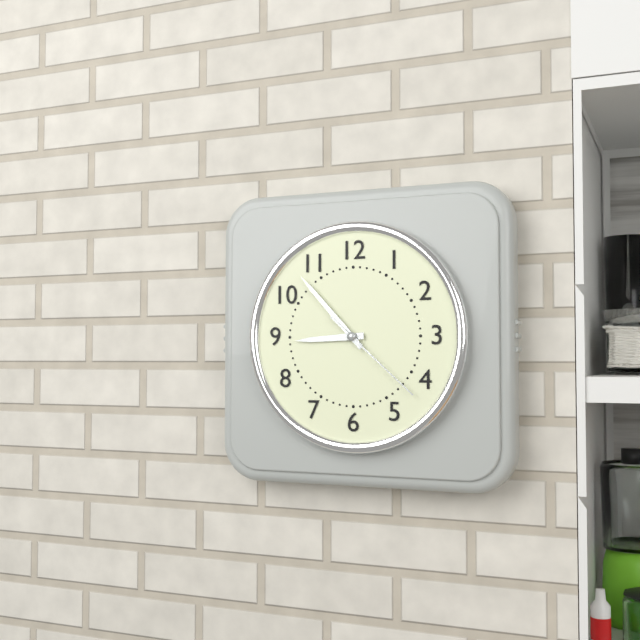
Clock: 8.53.22
